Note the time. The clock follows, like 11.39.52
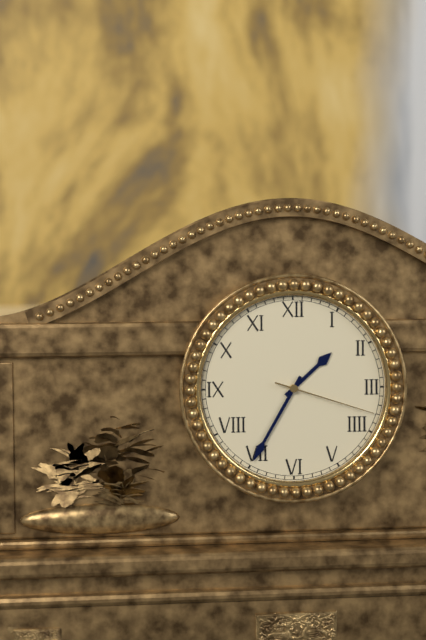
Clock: 1.35.18
